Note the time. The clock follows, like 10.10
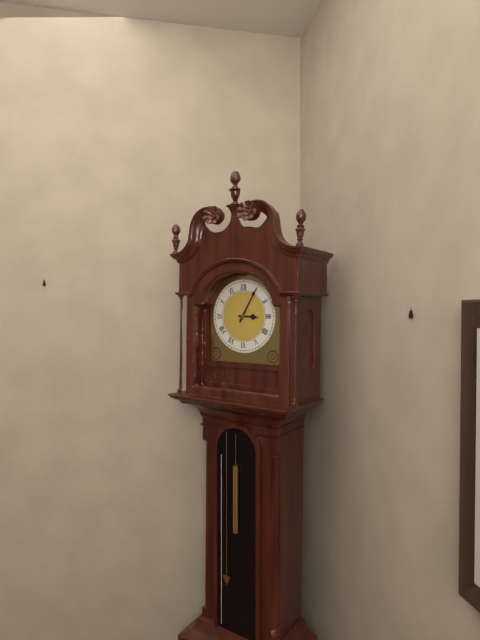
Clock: 3.05
